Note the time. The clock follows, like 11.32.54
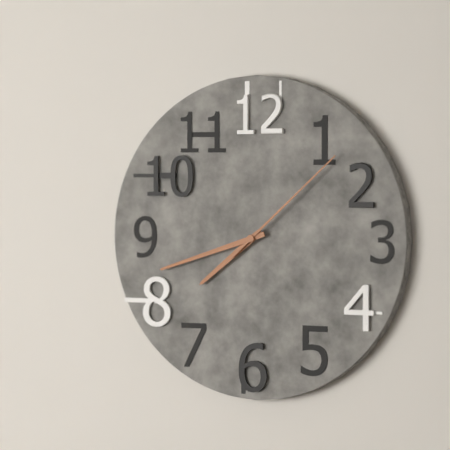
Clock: 7.42.08
